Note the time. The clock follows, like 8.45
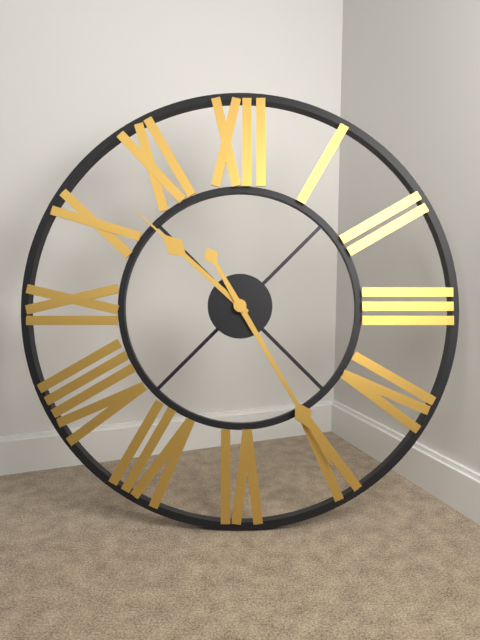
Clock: 10.25
